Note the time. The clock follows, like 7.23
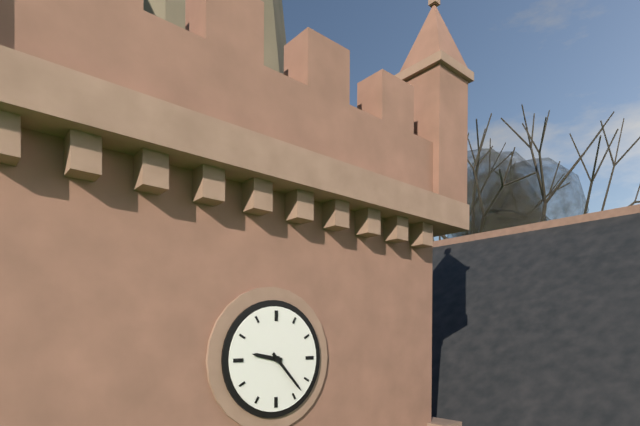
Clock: 9.23
